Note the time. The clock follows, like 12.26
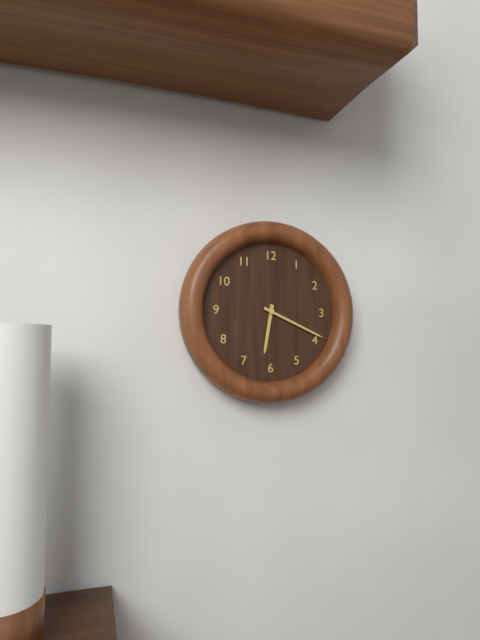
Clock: 6.19
